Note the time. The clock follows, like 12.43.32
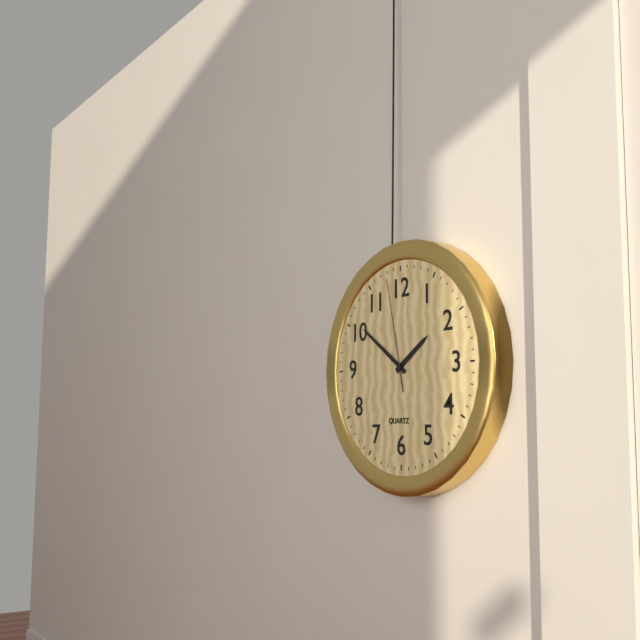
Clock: 1.51.58
